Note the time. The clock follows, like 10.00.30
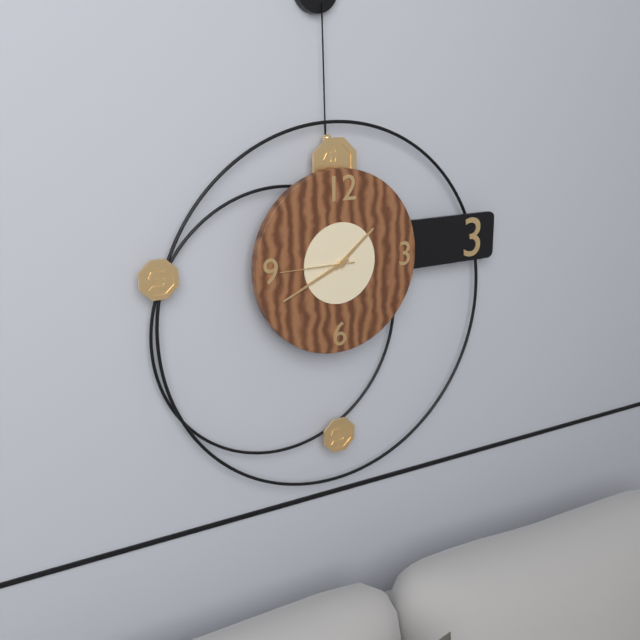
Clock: 1.41.45
